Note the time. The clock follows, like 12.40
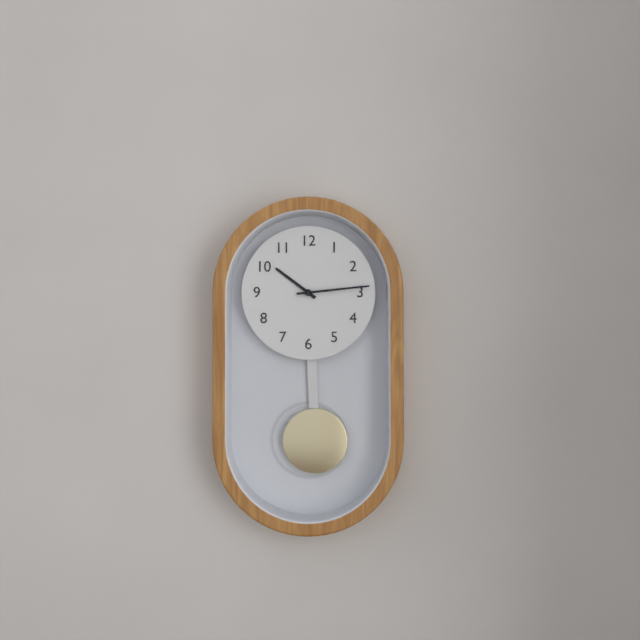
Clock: 10.14
